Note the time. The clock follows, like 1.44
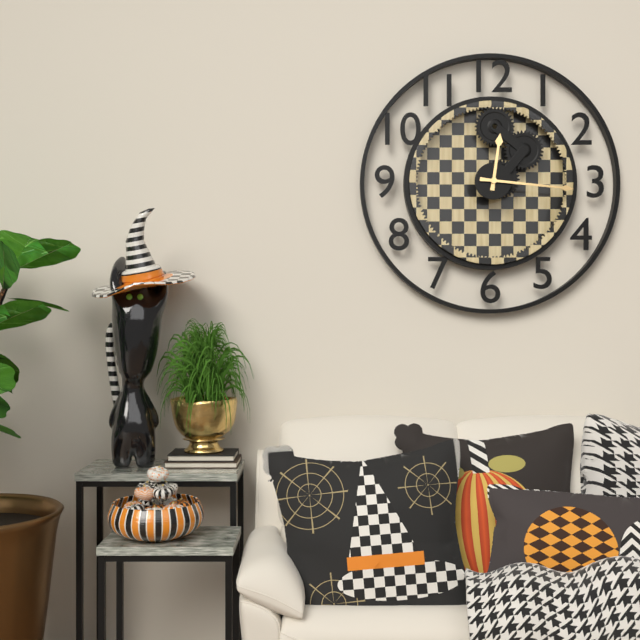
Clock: 12.16
